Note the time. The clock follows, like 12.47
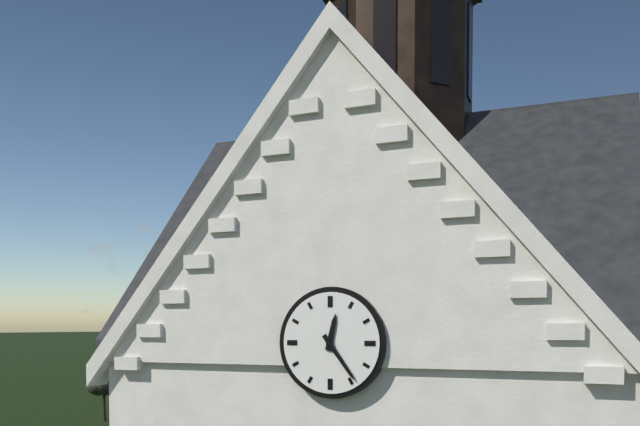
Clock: 12.24
